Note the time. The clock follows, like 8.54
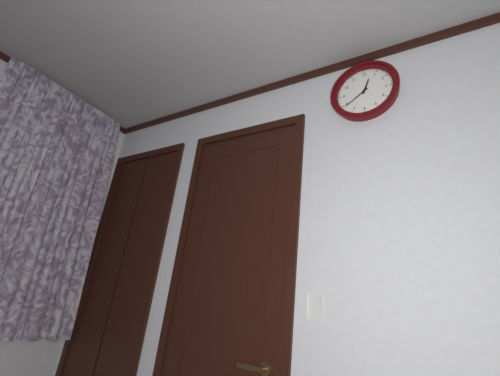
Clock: 12.39
